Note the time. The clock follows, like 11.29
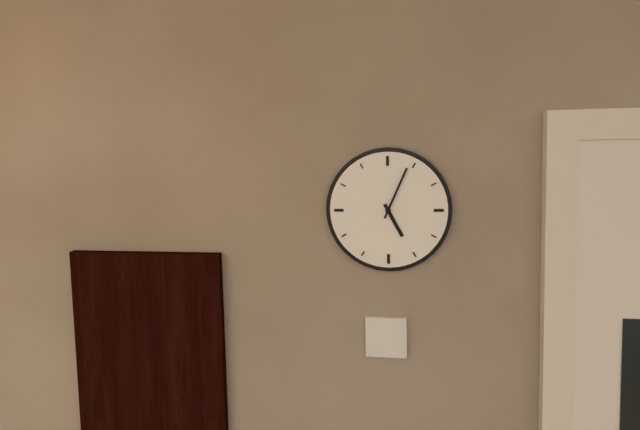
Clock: 5.04
